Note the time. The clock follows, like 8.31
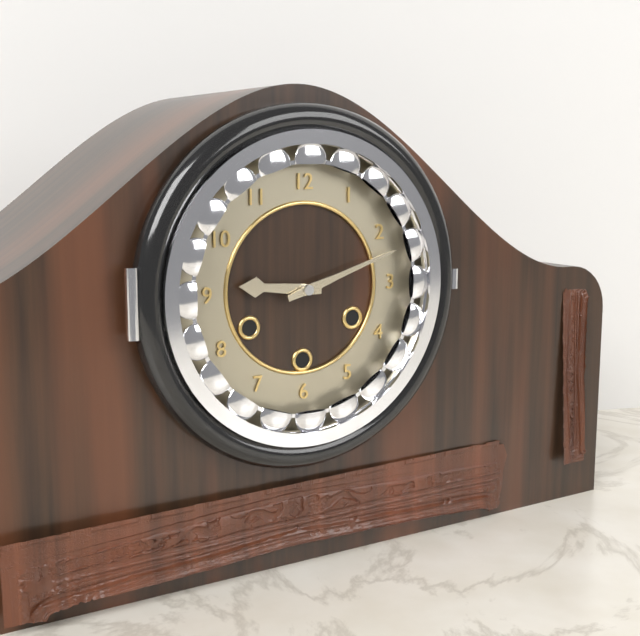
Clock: 9.12
